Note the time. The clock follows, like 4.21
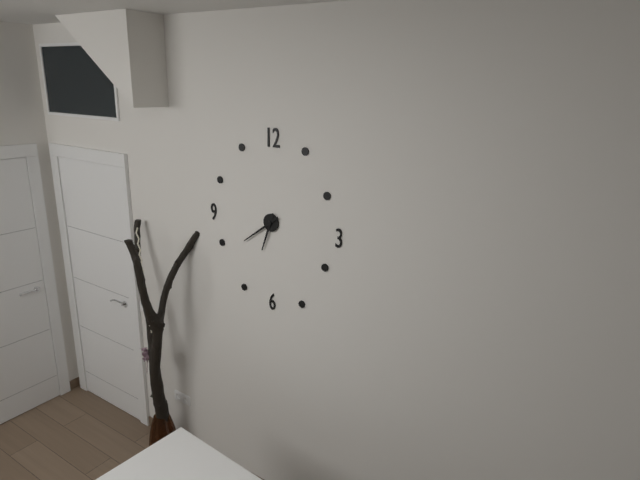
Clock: 6.39
